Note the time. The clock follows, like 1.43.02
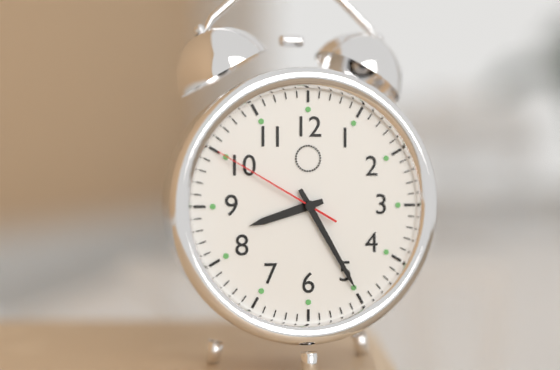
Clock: 8.25.50
